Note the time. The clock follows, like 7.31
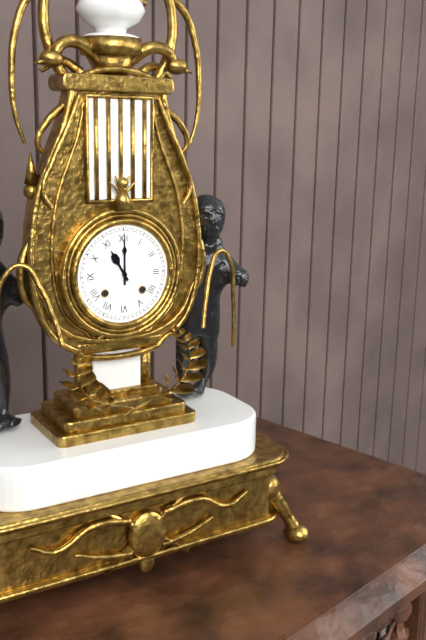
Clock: 11.00
